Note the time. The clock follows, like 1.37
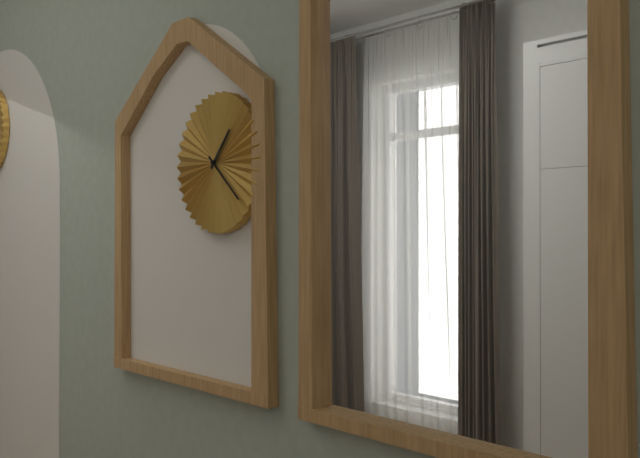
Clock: 1.22
